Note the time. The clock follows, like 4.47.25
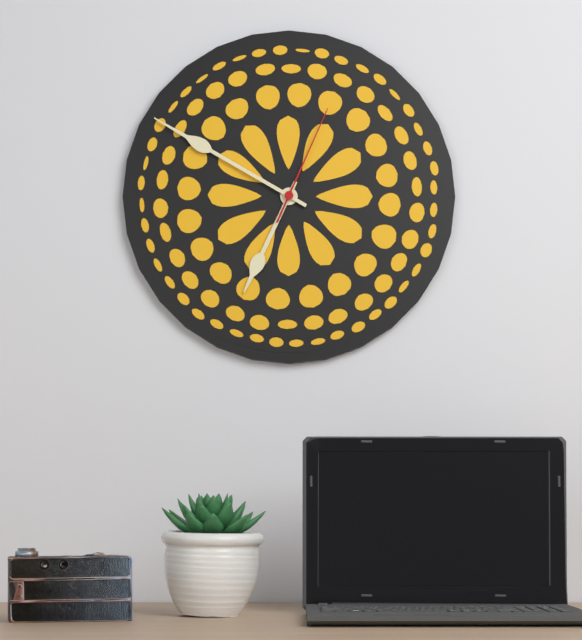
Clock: 6.50.04
